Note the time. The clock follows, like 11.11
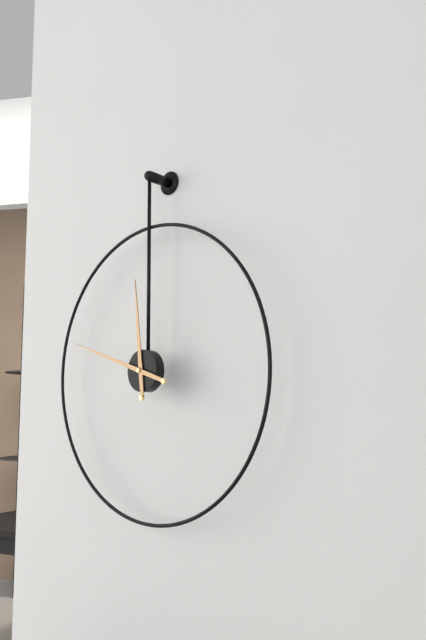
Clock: 11.48
